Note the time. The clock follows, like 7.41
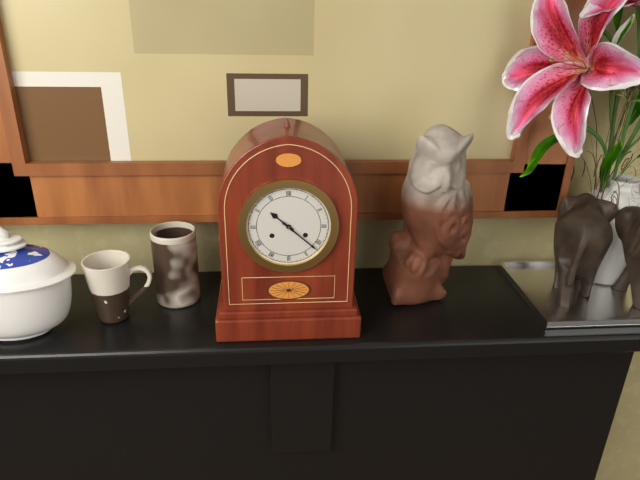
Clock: 10.22
